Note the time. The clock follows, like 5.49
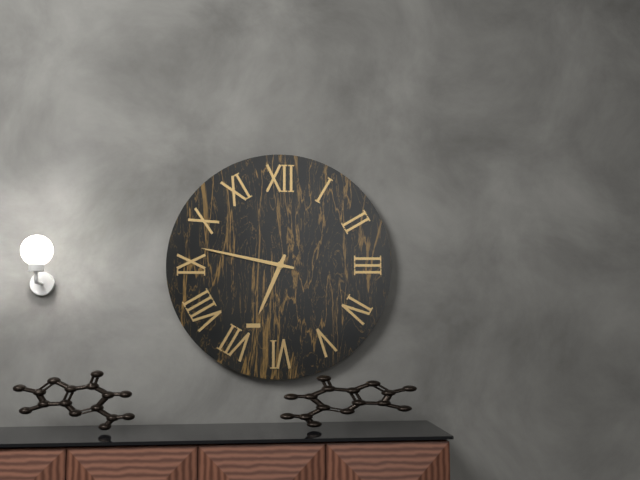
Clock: 6.47
